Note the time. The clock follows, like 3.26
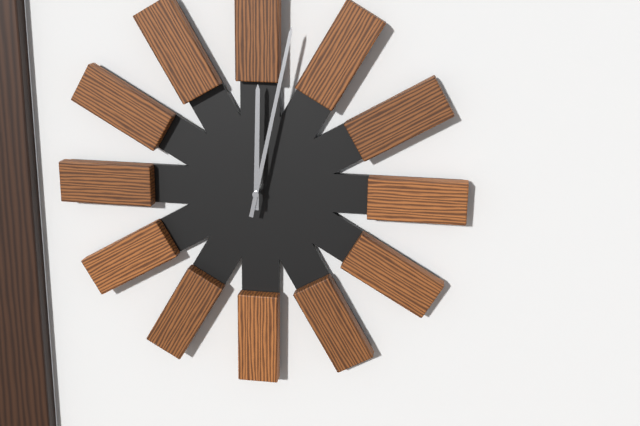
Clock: 12.02
